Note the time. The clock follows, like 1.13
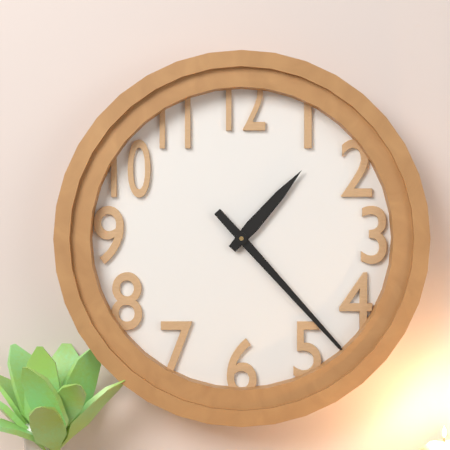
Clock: 1.23
